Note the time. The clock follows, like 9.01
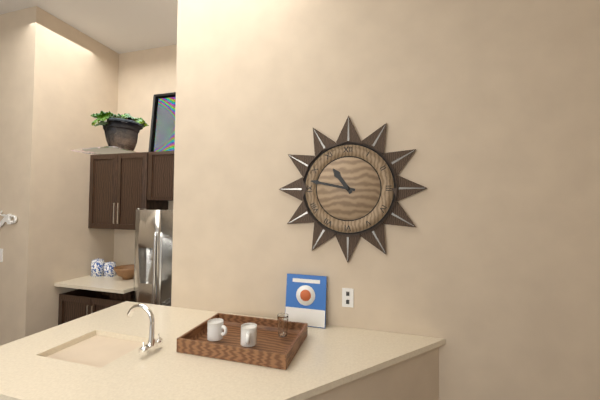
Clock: 10.47
